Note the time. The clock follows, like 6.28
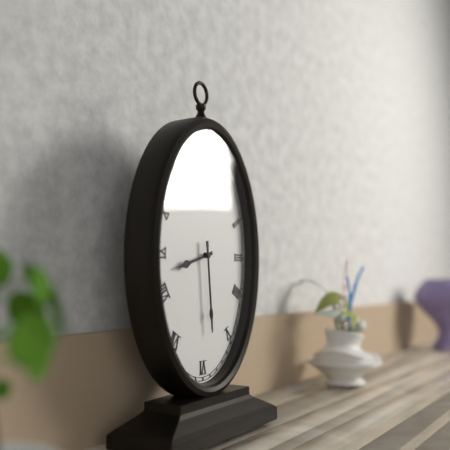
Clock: 8.29
